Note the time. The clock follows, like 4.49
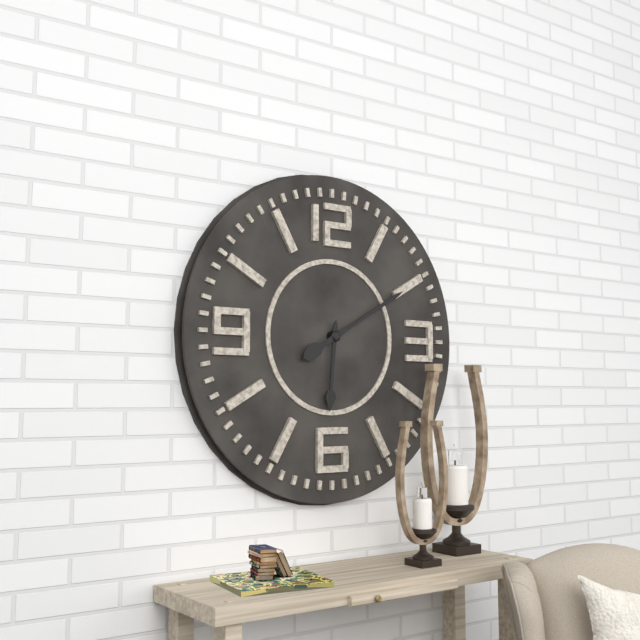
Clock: 6.10
